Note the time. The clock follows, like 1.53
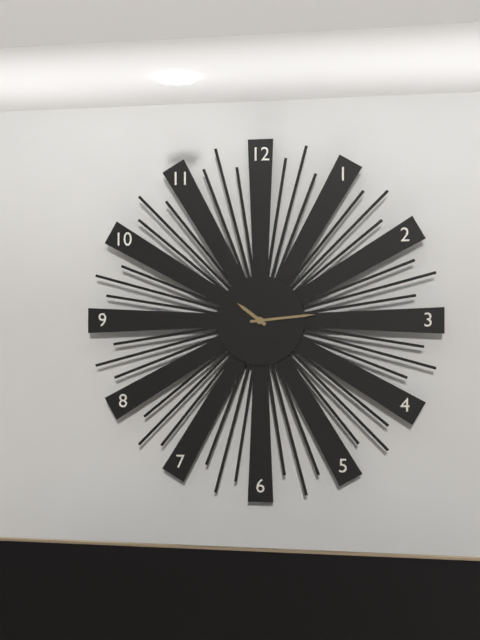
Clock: 10.14
